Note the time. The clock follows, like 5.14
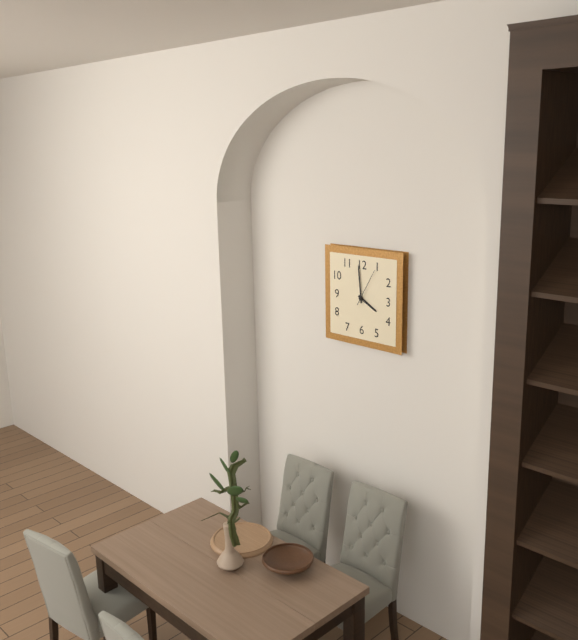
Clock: 3.59
